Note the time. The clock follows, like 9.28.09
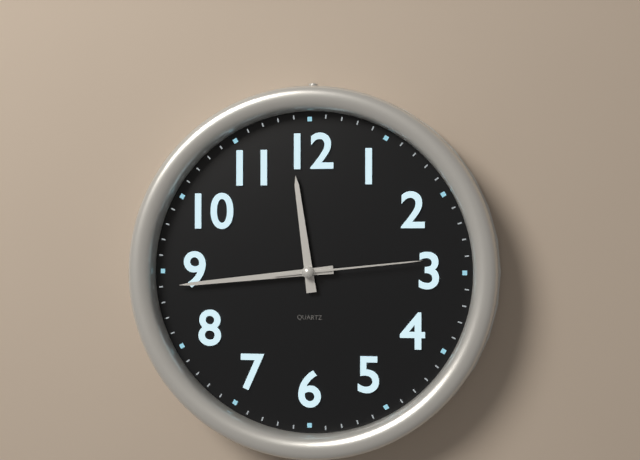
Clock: 11.44.14
